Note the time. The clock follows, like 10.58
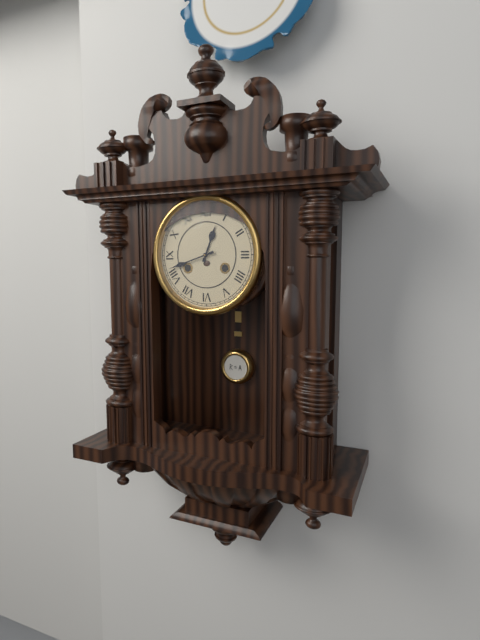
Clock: 12.42
